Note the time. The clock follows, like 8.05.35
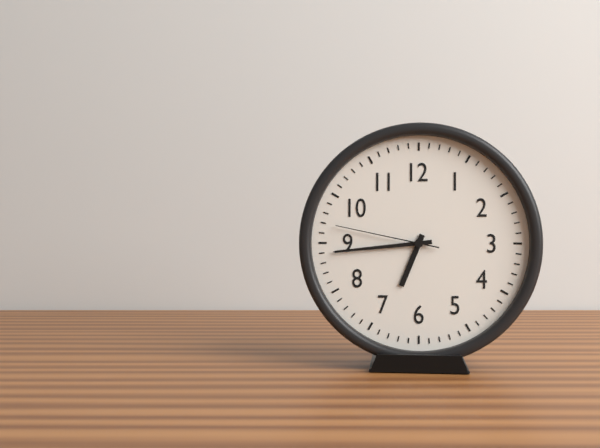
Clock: 6.44.47
